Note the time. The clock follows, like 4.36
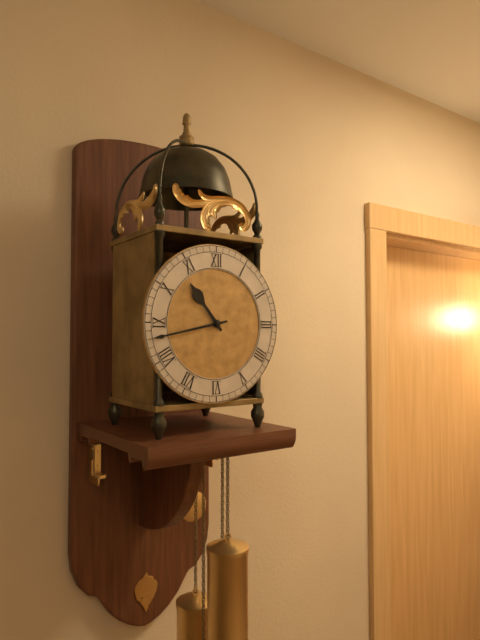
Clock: 10.43
